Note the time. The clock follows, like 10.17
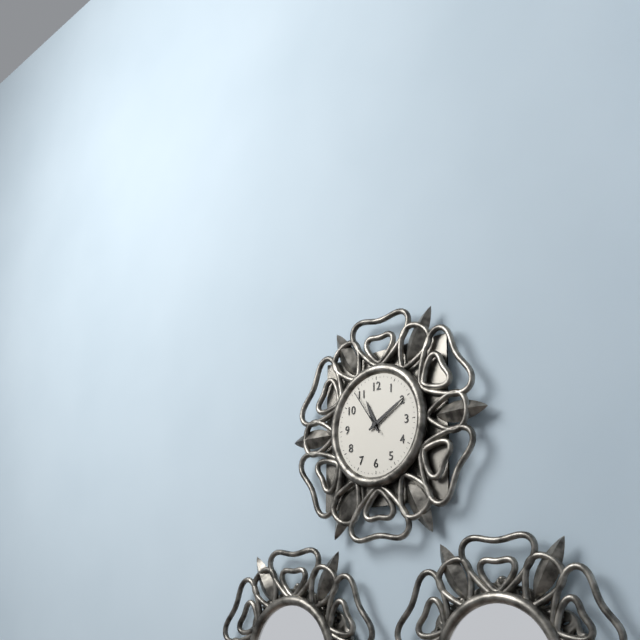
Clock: 11.10
